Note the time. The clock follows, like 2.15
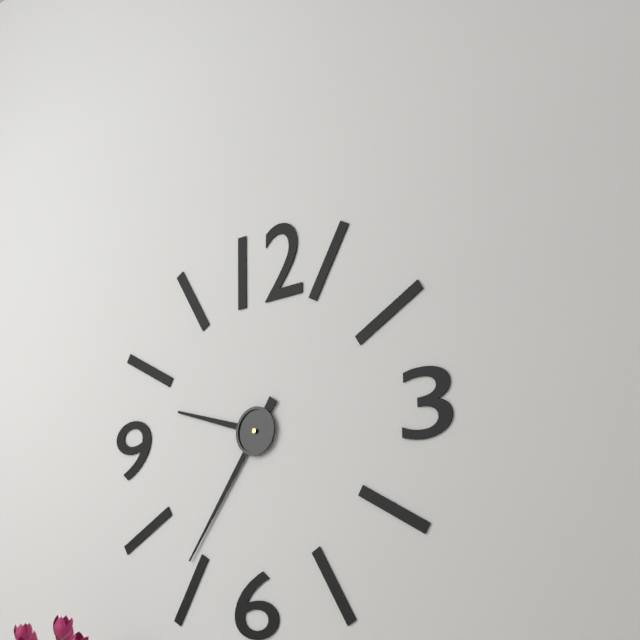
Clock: 9.36
